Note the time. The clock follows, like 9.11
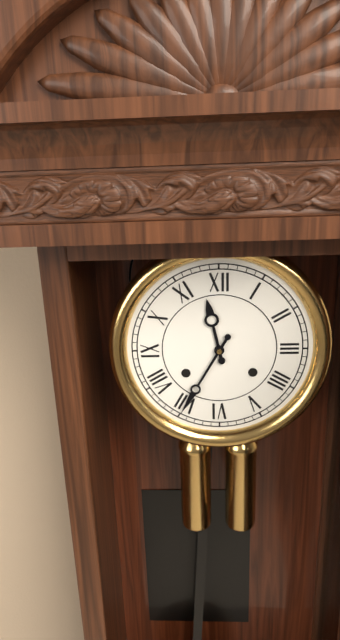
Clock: 11.35
